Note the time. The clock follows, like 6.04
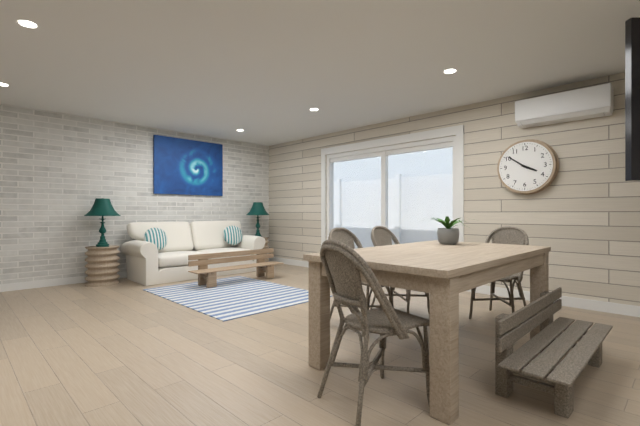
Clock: 3.51
